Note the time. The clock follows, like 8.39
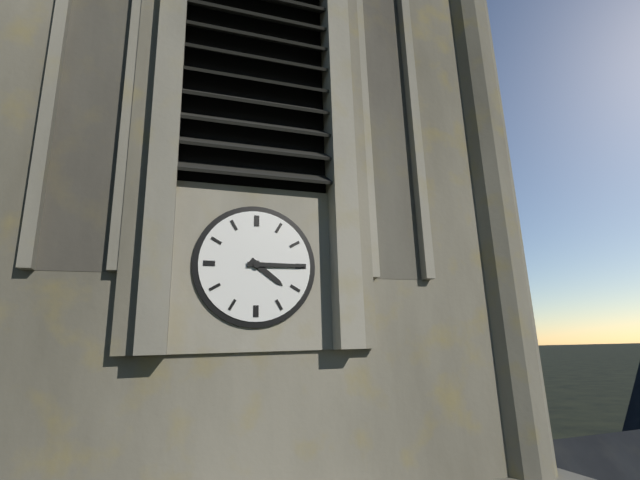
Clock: 4.15
